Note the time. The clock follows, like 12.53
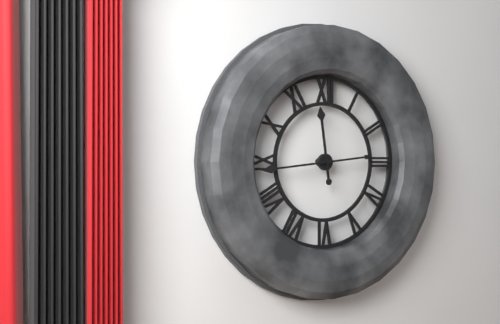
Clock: 11.44
